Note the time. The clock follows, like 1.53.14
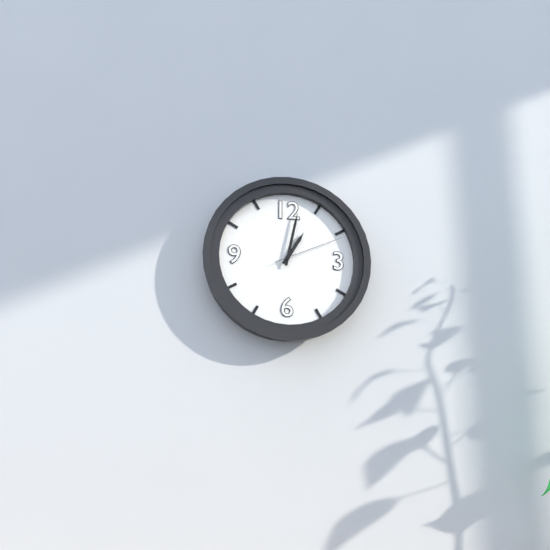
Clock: 1.02.11
